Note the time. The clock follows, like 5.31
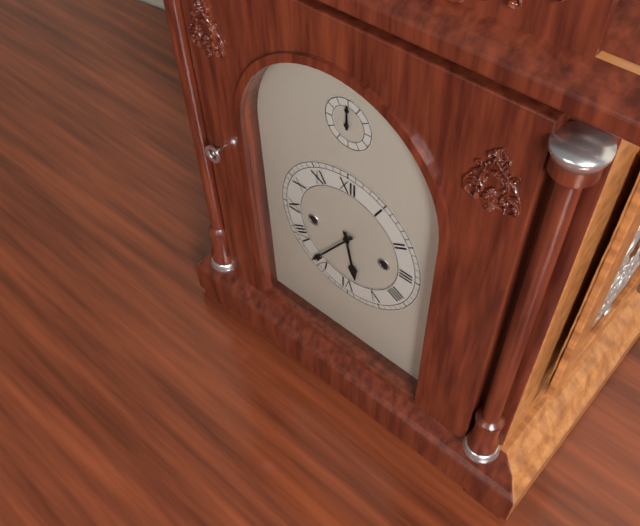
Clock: 5.36
